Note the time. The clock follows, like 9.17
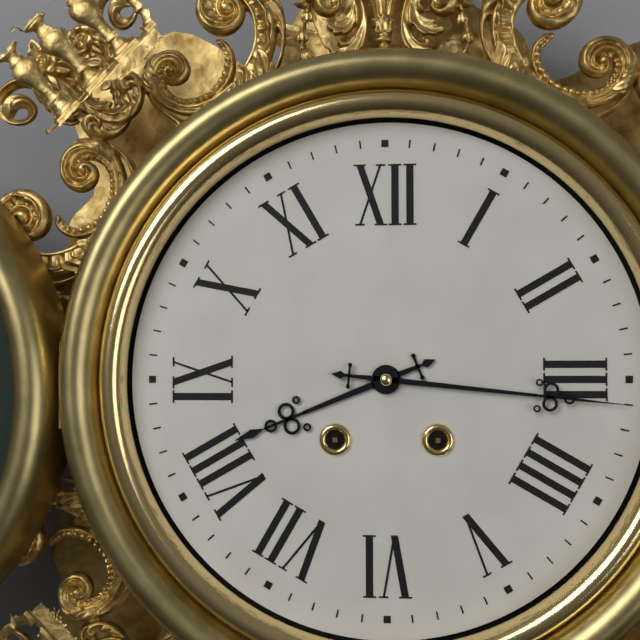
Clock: 8.16
